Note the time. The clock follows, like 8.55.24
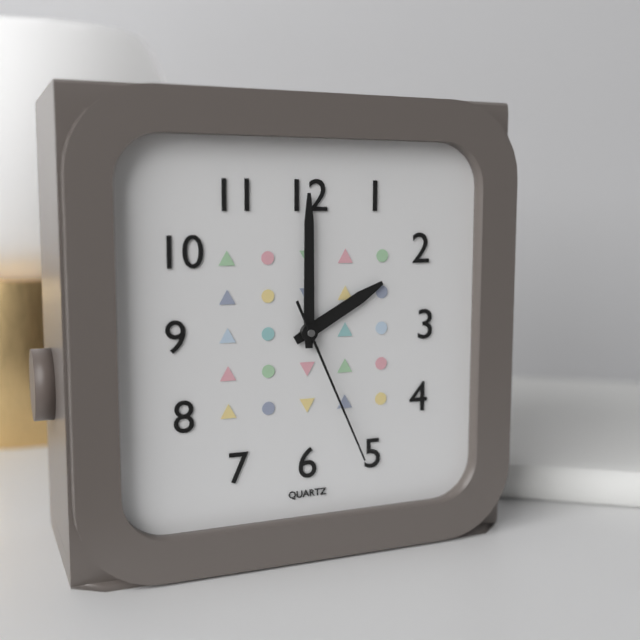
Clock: 2.00.26
